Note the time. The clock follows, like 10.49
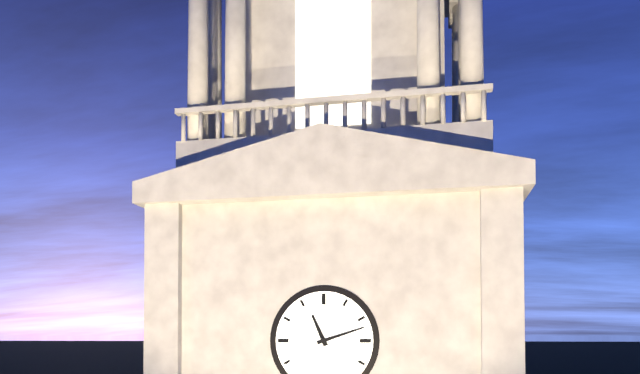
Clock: 11.12
